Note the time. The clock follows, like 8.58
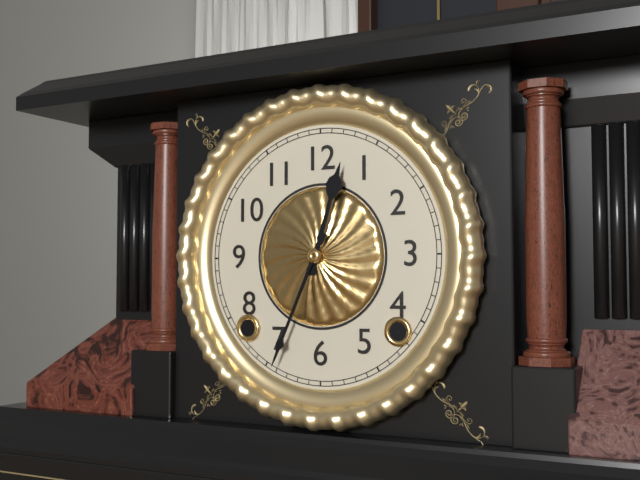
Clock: 12.34
